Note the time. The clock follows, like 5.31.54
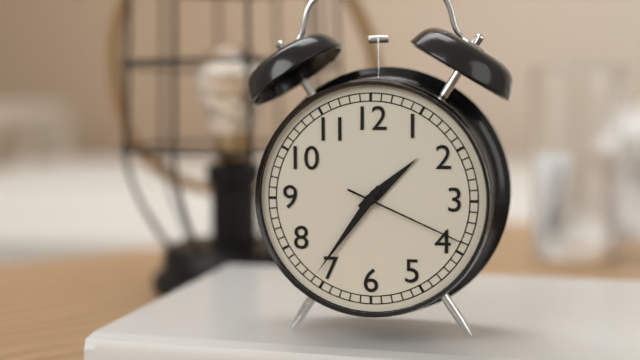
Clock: 1.36.19
